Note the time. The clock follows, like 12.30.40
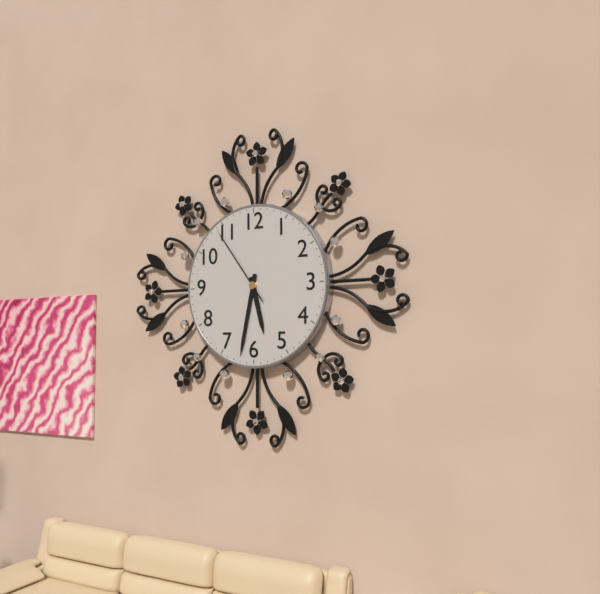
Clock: 5.32.54
